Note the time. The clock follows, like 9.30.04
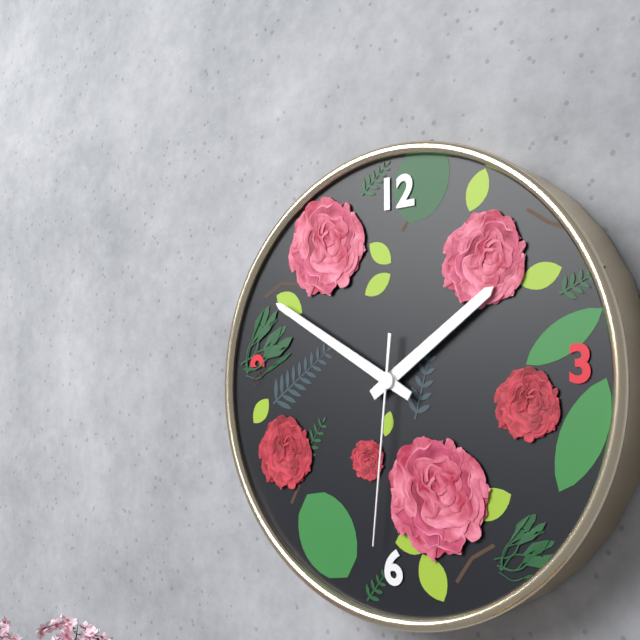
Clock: 1.50.31
